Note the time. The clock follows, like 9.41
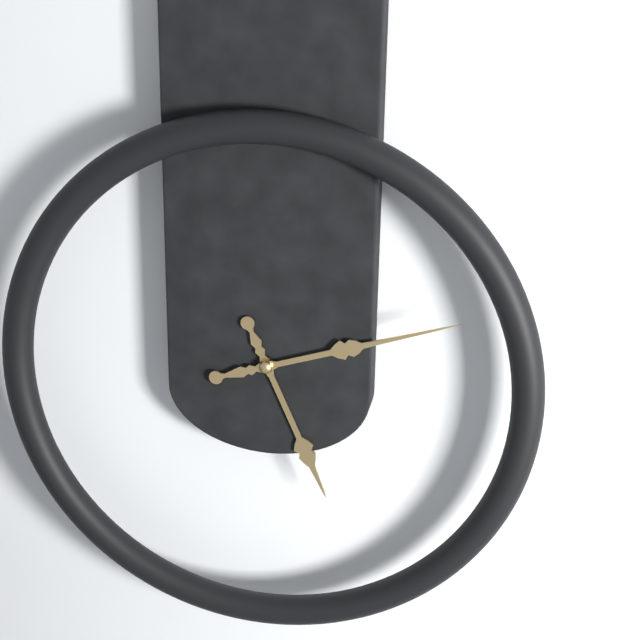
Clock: 5.12
